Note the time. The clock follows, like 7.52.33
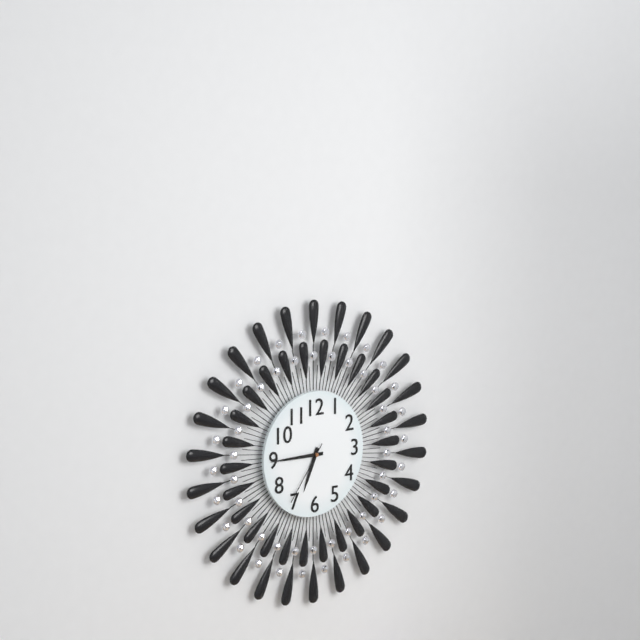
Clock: 6.45.36
